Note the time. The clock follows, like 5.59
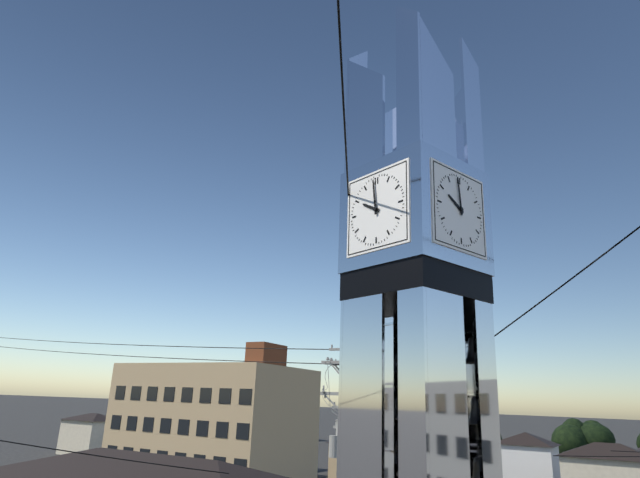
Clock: 9.59
